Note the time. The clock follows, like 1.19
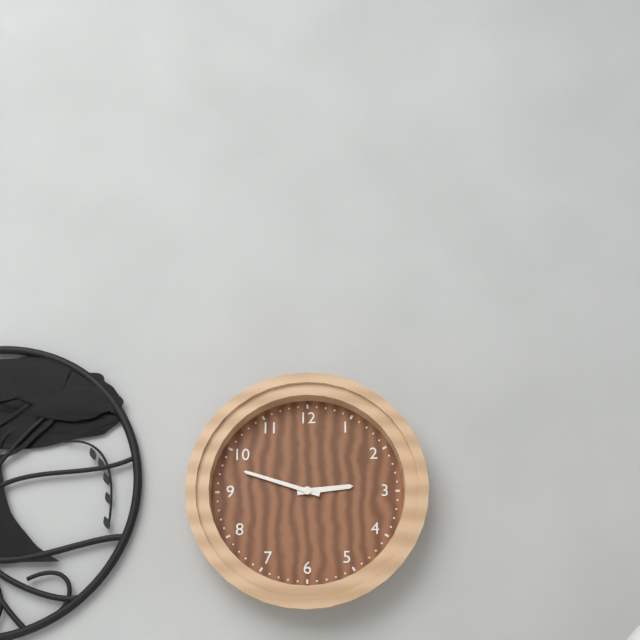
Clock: 2.48
